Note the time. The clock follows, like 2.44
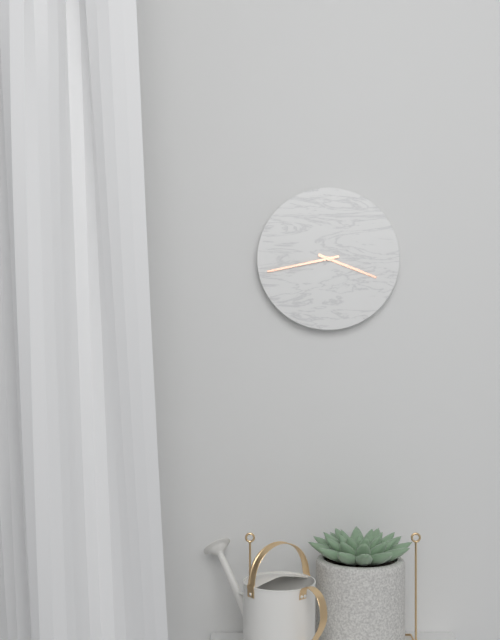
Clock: 3.43
